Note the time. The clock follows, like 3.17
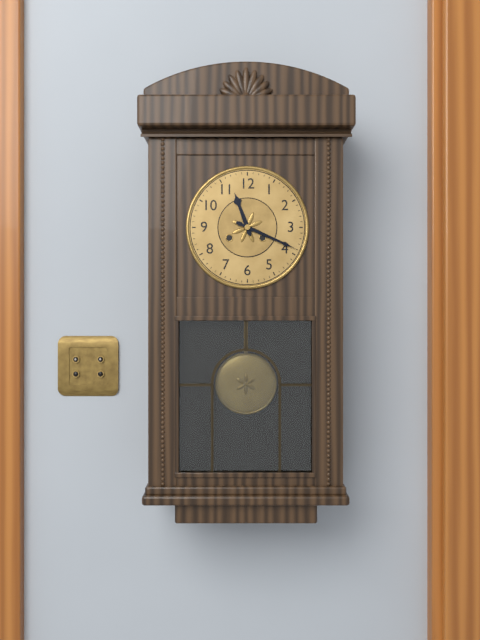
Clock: 11.19
